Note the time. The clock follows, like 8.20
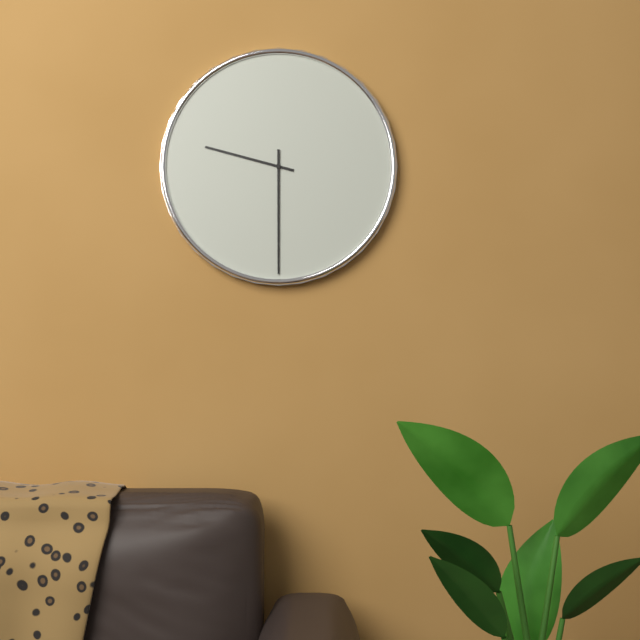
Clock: 9.30
